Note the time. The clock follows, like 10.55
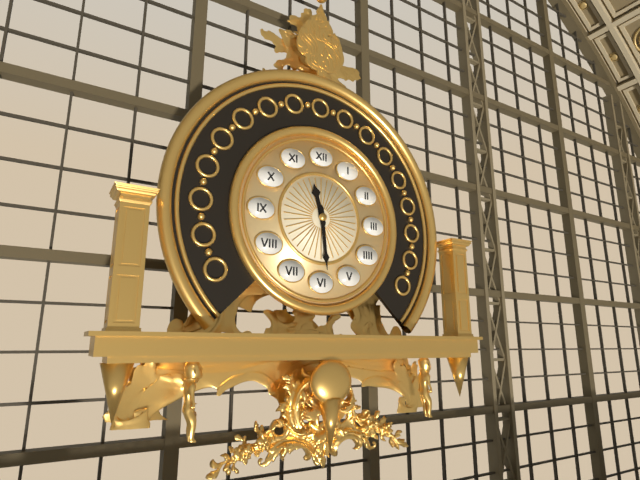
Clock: 11.29
